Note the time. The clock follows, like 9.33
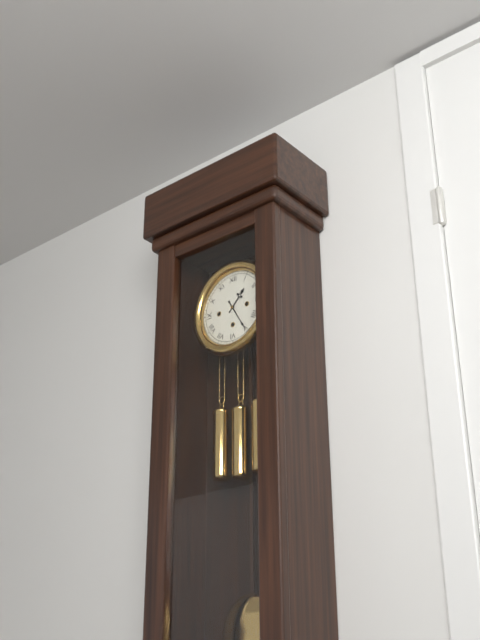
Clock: 1.25
